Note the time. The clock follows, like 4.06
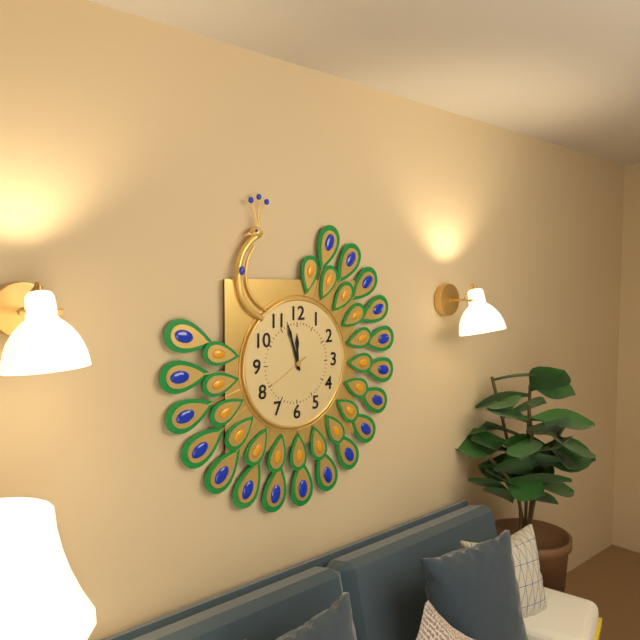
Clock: 11.57
